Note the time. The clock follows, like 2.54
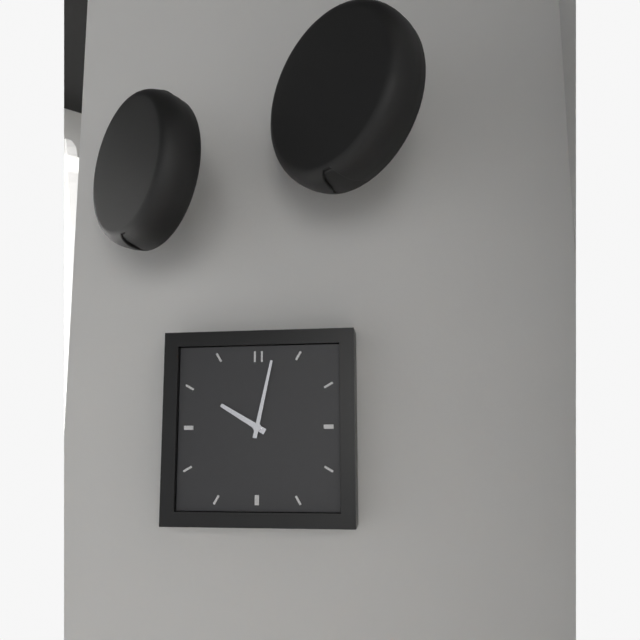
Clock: 10.02
